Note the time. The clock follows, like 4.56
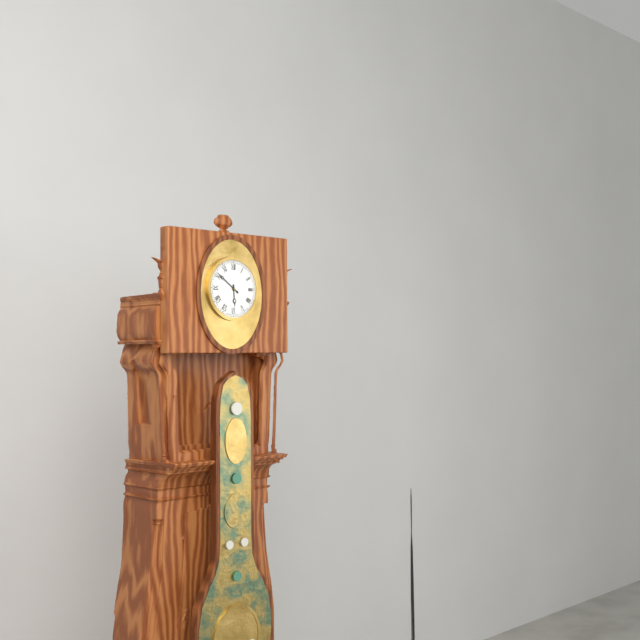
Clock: 5.51
